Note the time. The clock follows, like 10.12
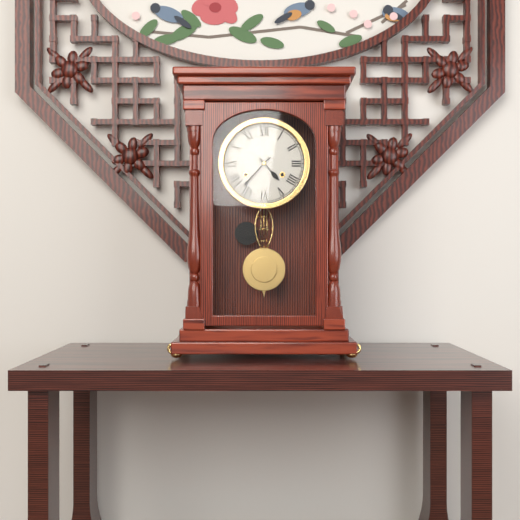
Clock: 4.37
